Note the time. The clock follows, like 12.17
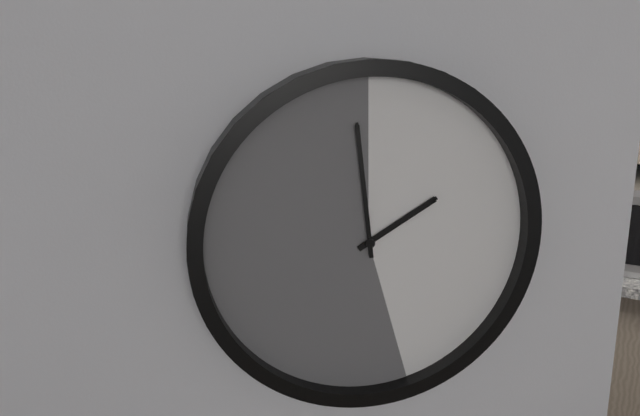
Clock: 1.59
